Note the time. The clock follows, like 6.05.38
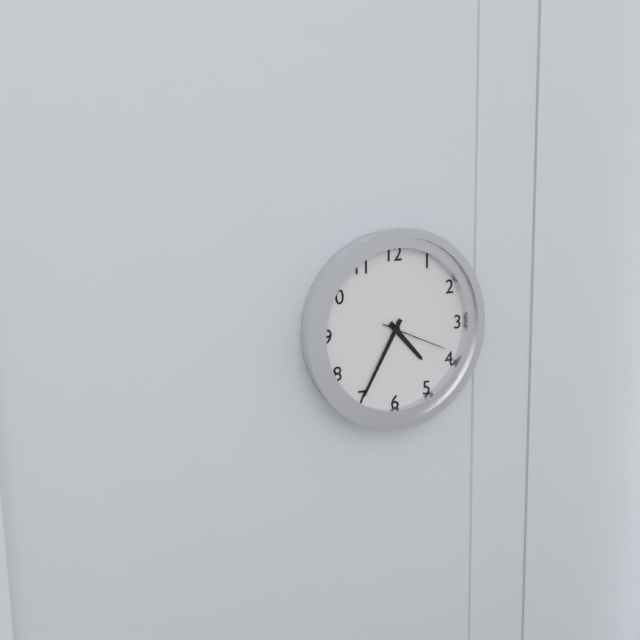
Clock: 4.35.19
